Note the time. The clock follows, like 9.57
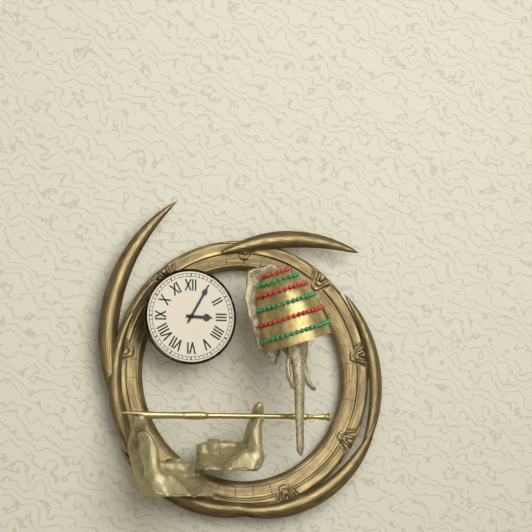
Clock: 3.05
